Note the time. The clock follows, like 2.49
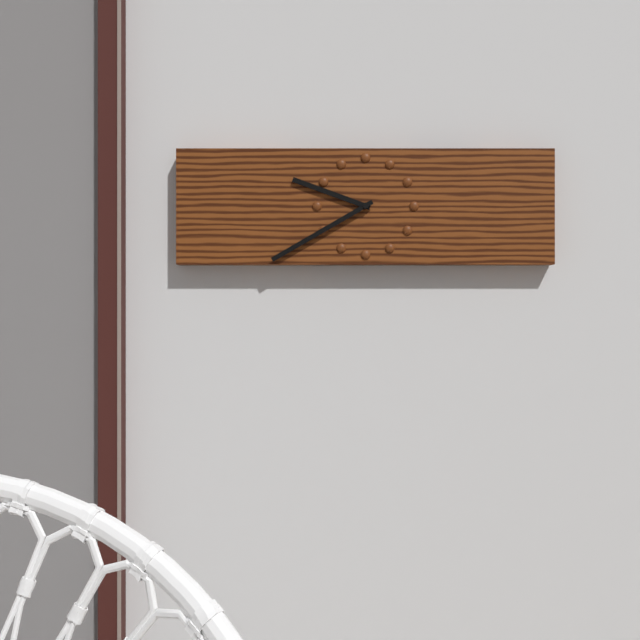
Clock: 9.40
